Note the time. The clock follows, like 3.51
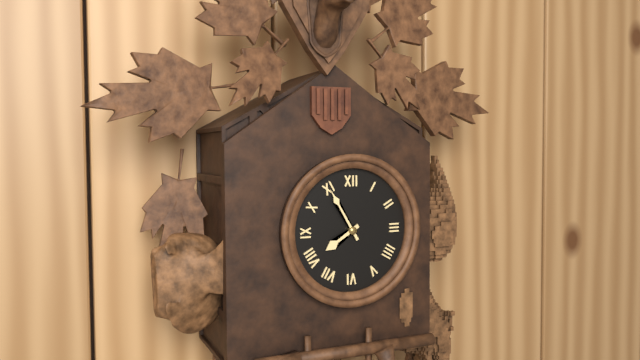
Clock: 7.55
